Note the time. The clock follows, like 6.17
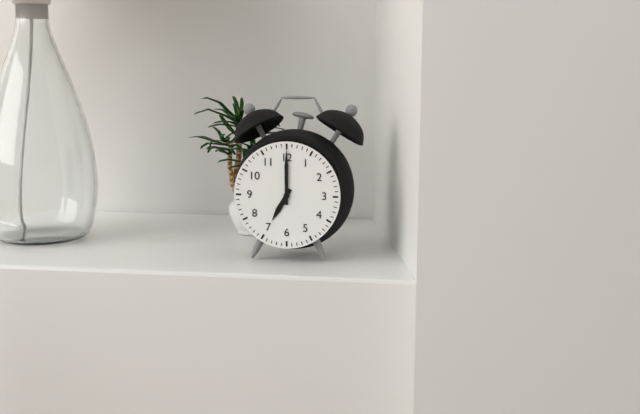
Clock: 7.00
